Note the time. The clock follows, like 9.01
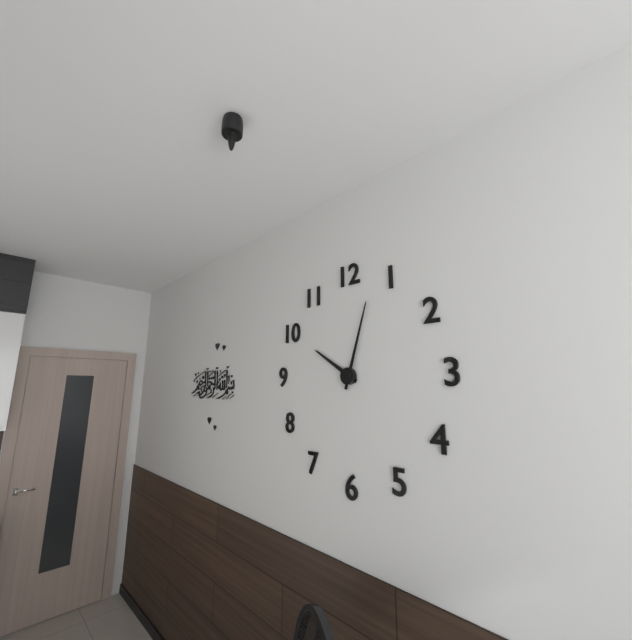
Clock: 10.03
